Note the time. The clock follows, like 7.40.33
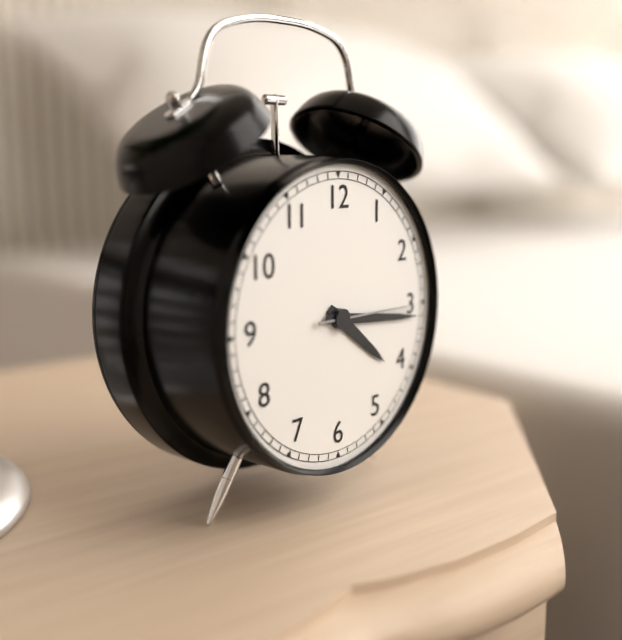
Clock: 4.16.15
